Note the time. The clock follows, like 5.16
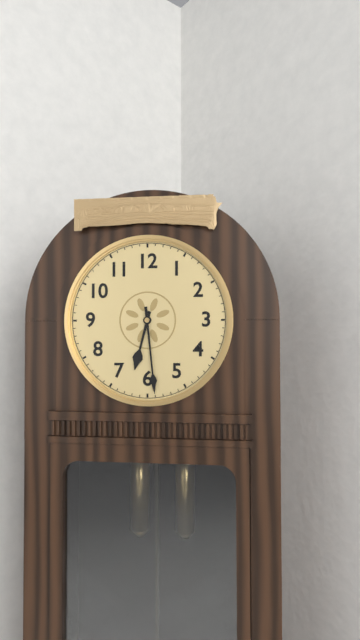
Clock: 6.29
